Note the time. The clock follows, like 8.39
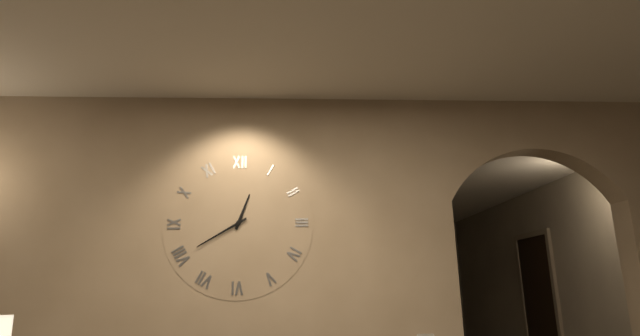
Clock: 12.40
